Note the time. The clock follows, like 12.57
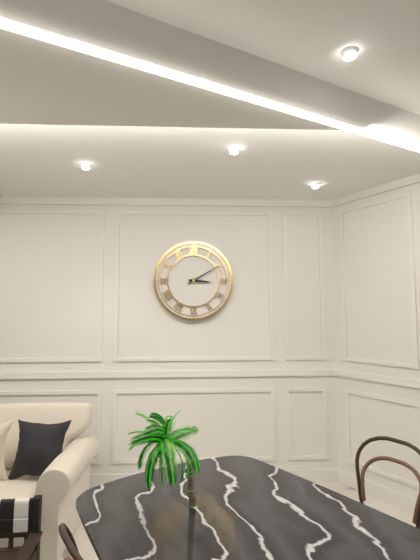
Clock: 3.10
